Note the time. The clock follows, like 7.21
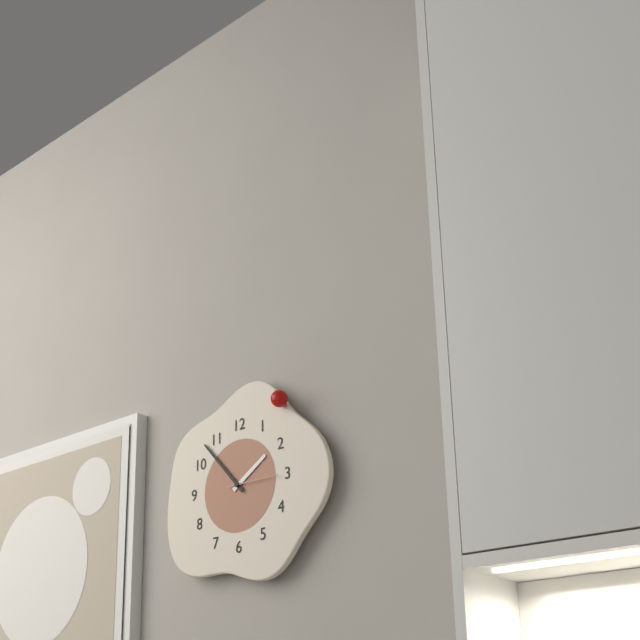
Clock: 1.53
